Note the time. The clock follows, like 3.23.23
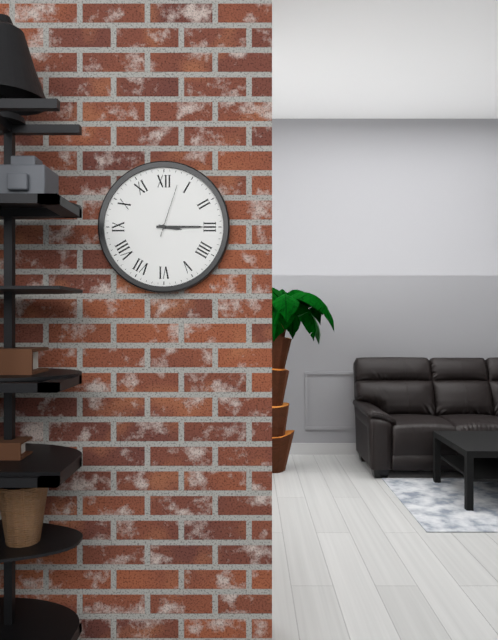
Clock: 3.15.03
